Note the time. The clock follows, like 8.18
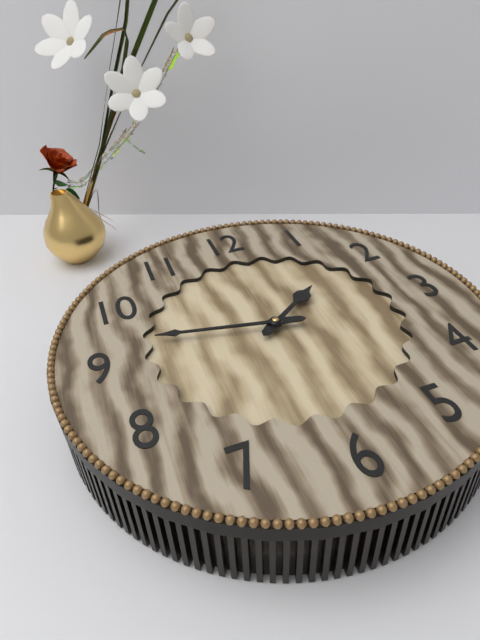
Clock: 1.47
